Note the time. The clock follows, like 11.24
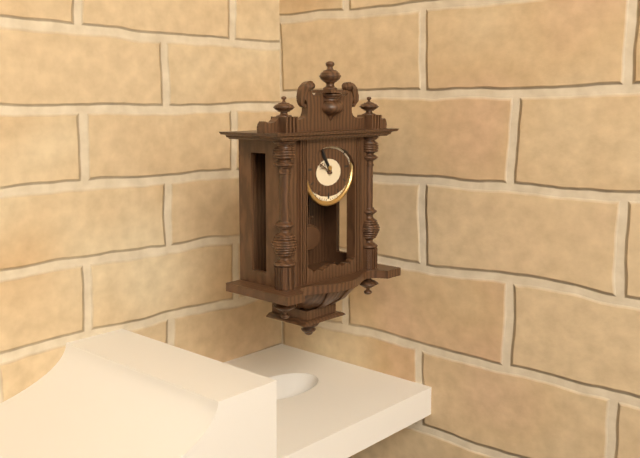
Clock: 10.55
